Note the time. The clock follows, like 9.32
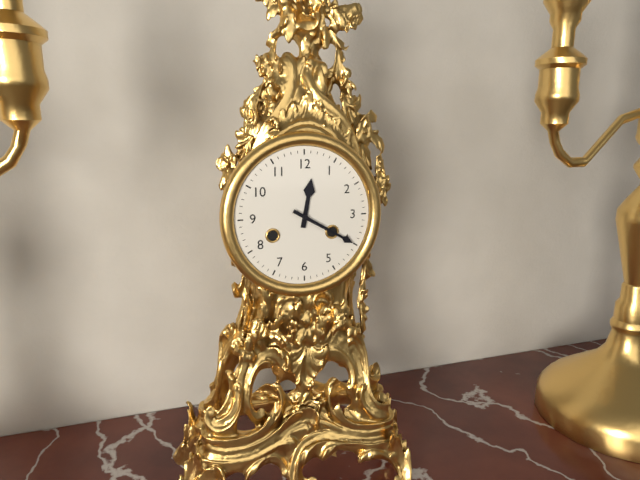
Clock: 12.20
